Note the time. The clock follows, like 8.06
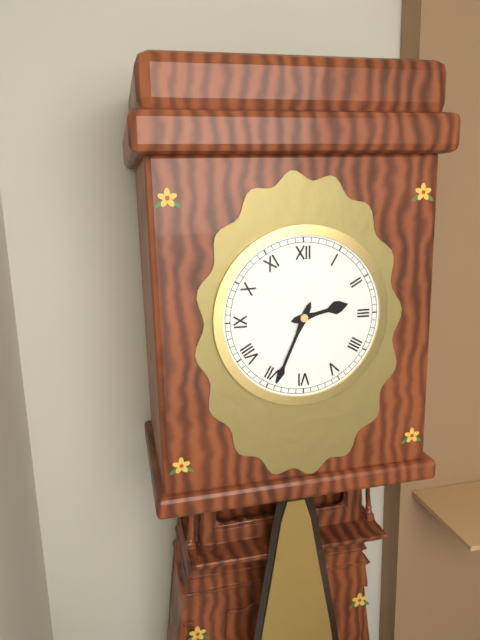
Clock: 2.34
